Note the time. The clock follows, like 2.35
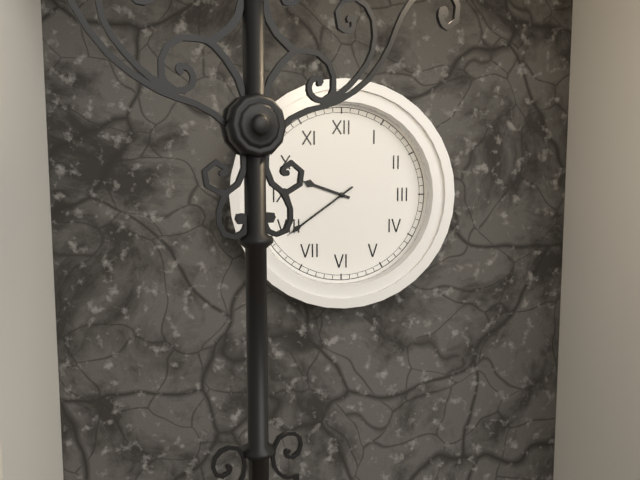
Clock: 9.39
